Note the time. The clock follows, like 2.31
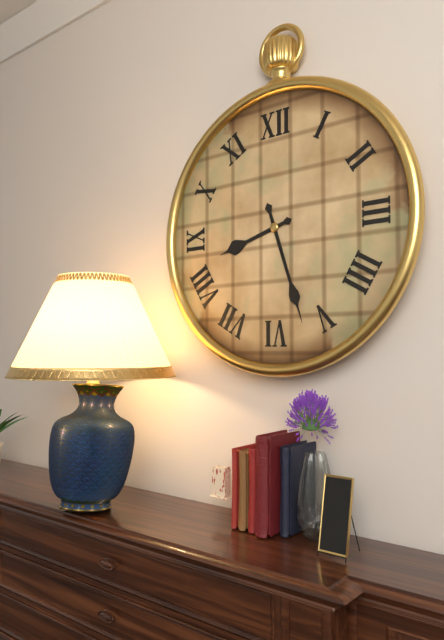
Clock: 8.27
